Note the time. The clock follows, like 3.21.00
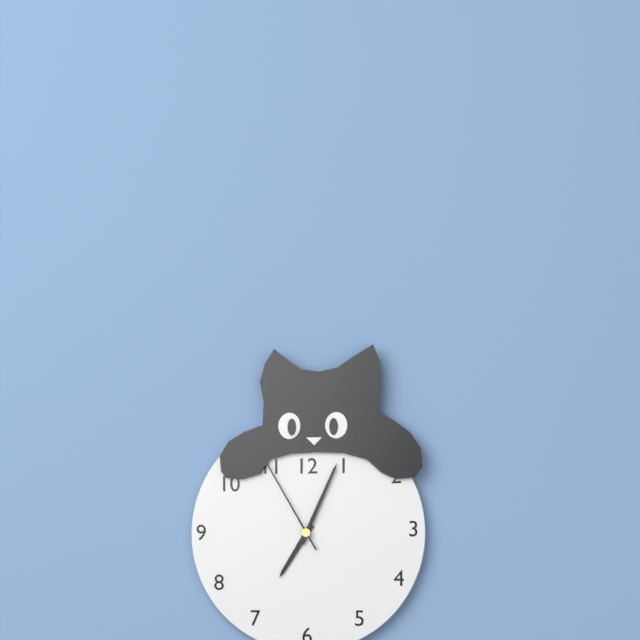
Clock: 7.04.55
